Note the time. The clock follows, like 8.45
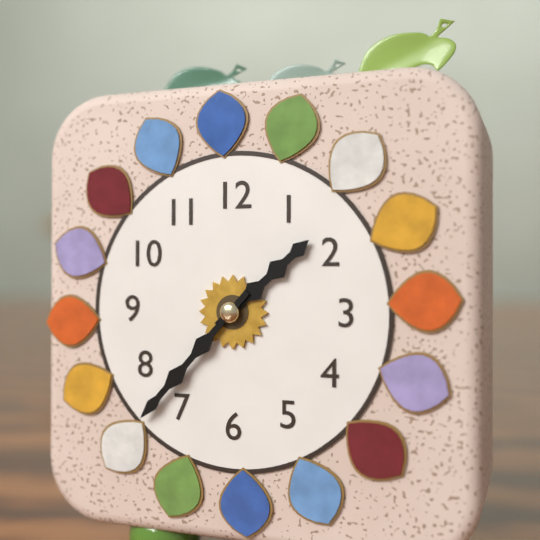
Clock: 1.37
